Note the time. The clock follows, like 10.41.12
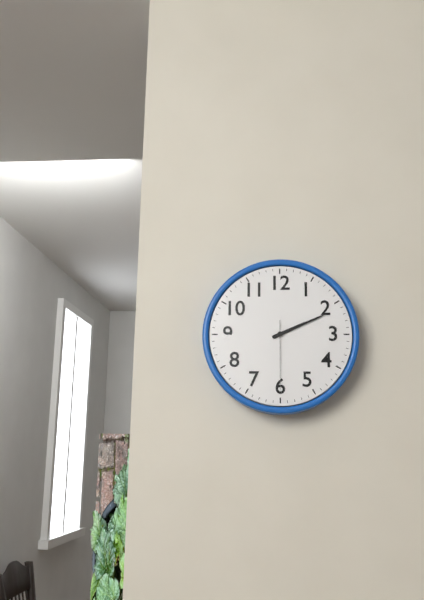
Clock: 2.11.30
